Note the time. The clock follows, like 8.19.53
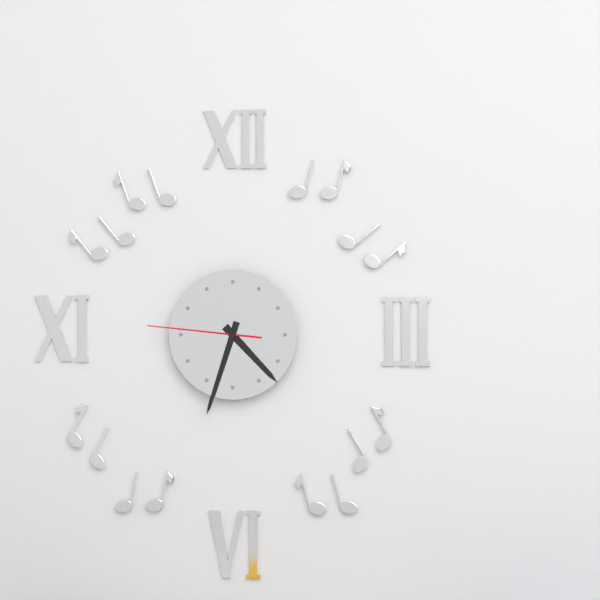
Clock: 4.33.46
